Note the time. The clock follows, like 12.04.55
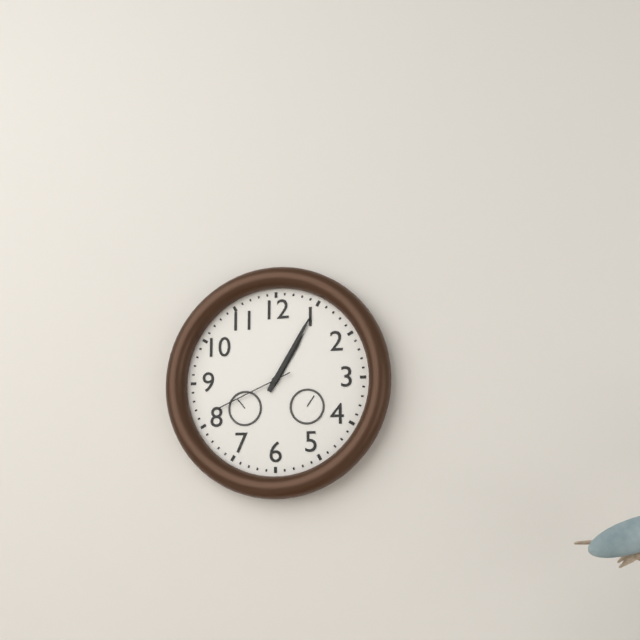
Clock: 1.05.41
